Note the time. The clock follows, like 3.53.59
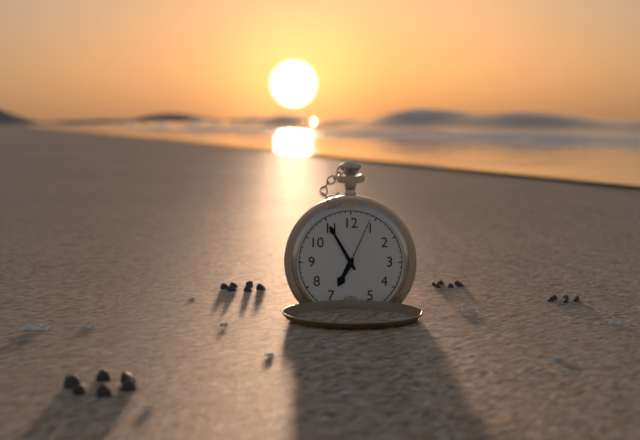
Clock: 6.55.04
